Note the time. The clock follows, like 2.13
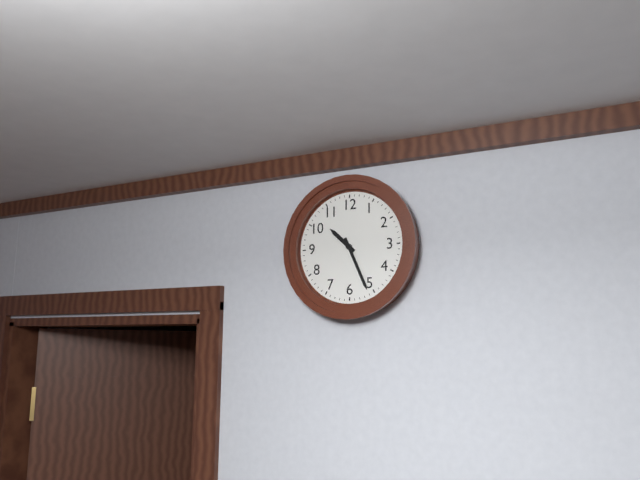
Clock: 10.26
